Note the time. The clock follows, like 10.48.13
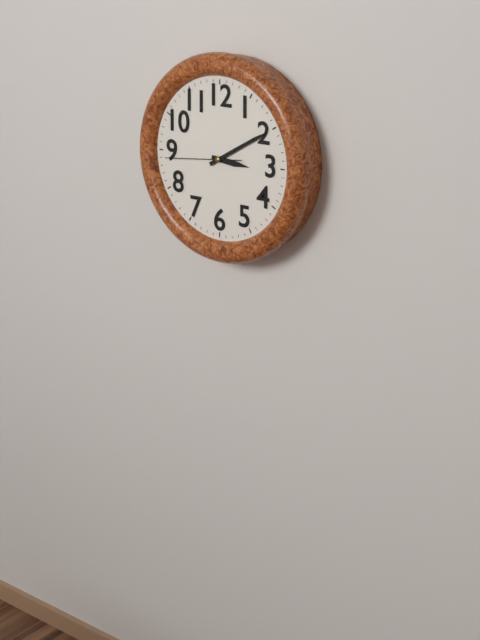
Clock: 3.10.44
